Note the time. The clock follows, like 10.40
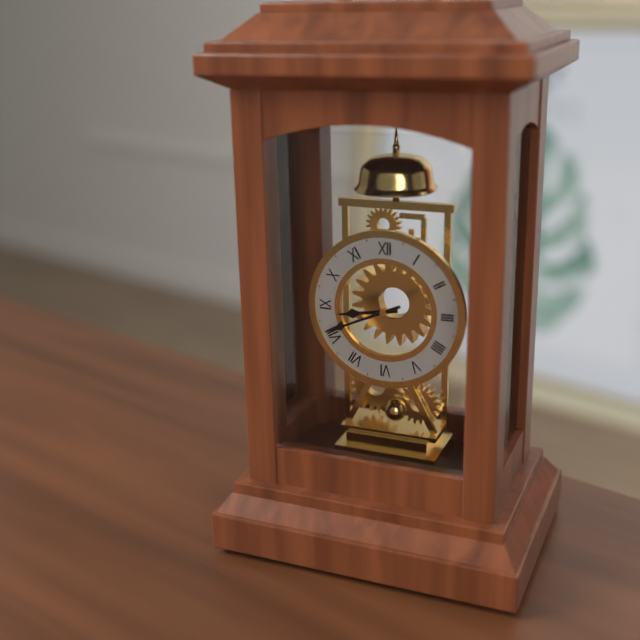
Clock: 8.41
